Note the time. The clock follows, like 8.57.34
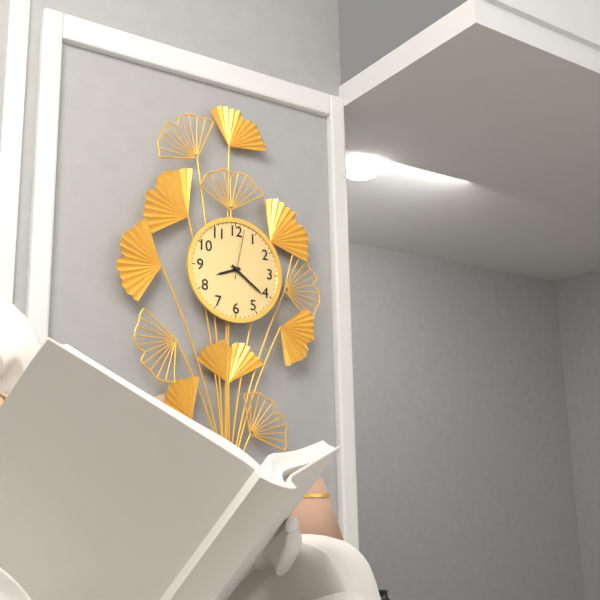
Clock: 8.21.02
